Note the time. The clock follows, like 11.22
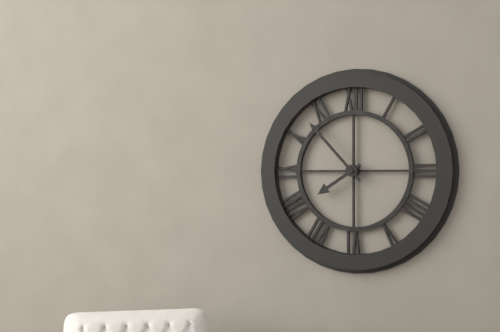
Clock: 7.53
